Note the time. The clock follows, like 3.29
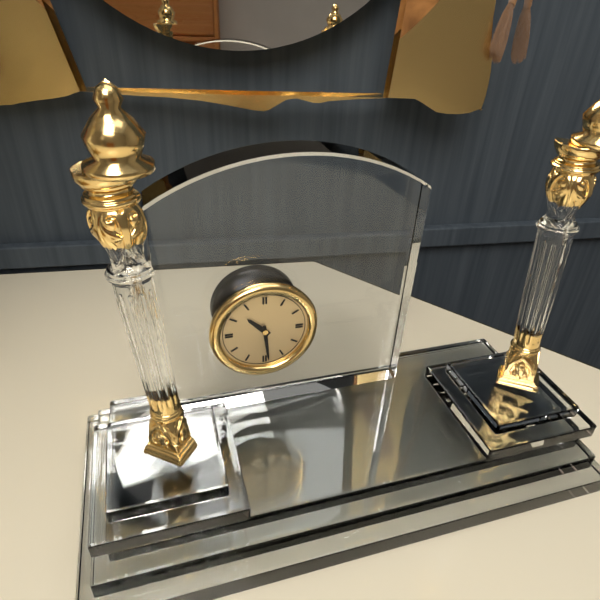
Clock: 10.29
